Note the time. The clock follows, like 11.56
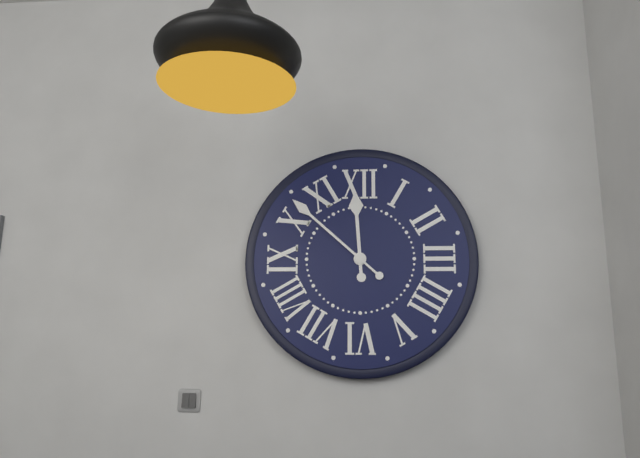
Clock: 11.52
